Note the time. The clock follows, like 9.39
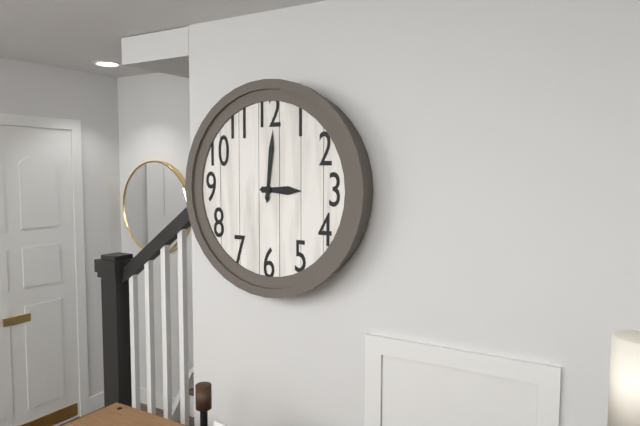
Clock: 3.01
